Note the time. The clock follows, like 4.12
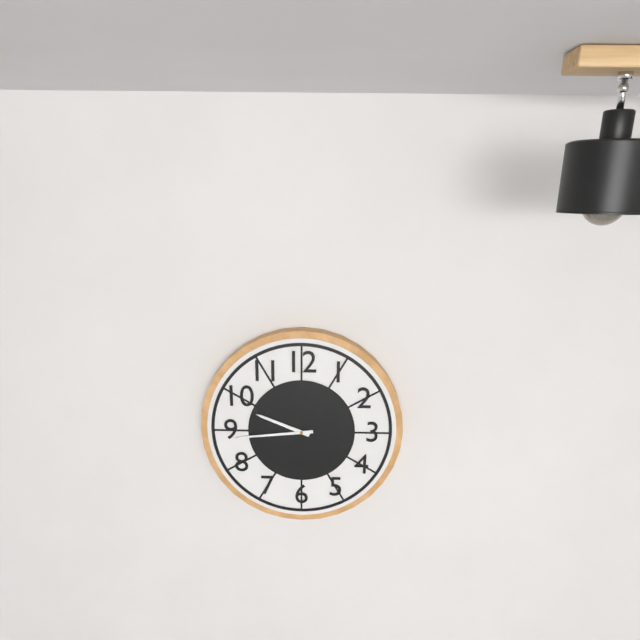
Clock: 9.44
